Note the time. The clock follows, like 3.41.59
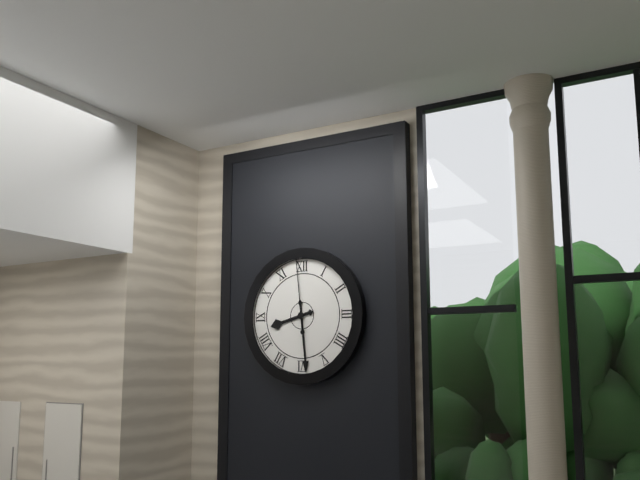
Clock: 8.29.59
